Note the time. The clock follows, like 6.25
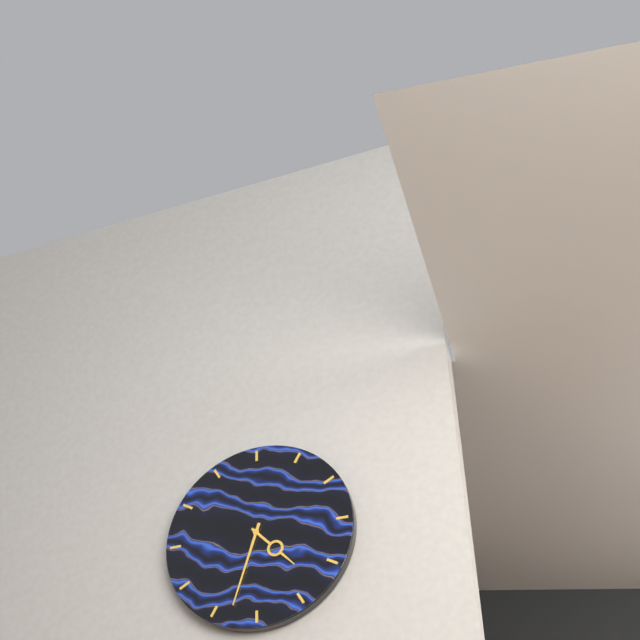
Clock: 4.33
